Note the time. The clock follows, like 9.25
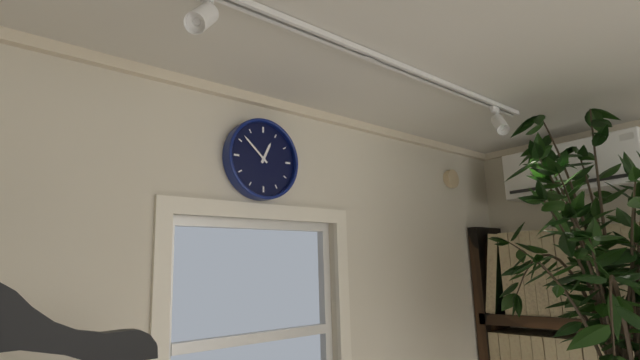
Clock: 12.52
